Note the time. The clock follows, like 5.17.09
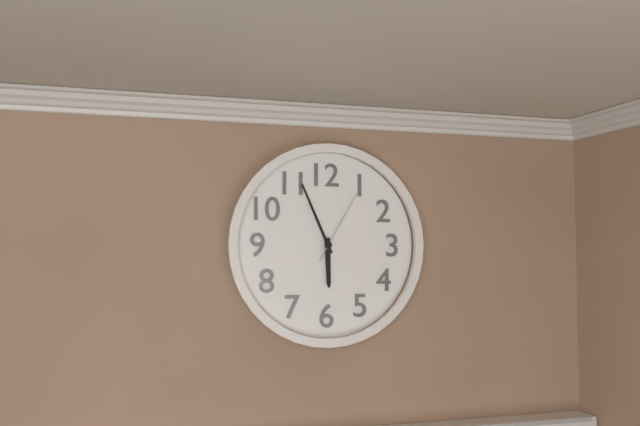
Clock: 5.56.05
